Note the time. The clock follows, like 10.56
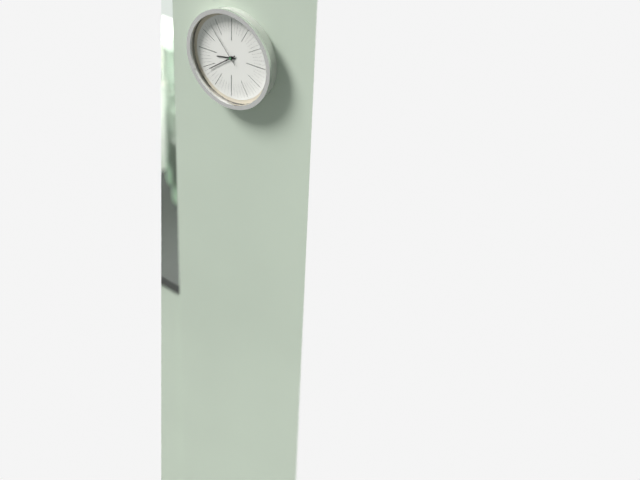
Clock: 8.39
